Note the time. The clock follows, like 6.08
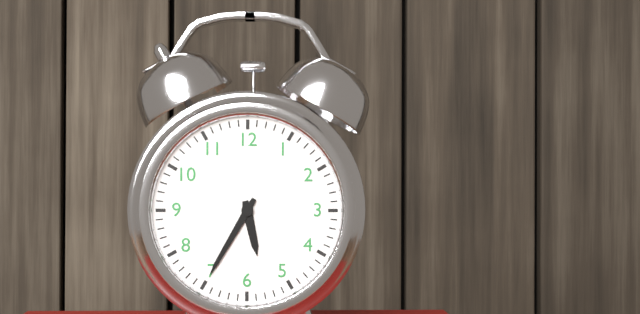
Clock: 5.35
